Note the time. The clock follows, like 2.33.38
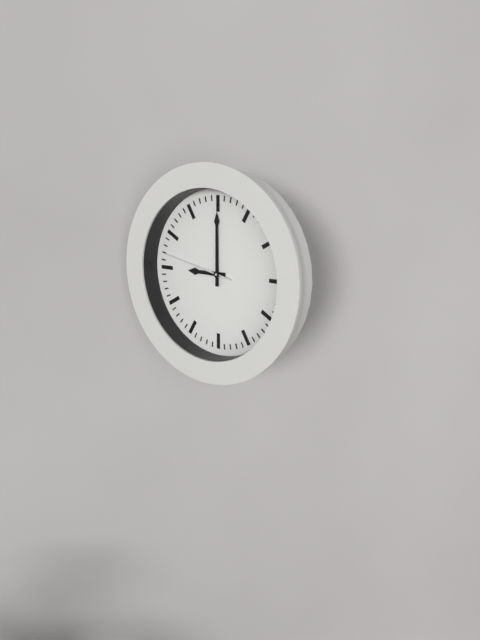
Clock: 9.00.47
